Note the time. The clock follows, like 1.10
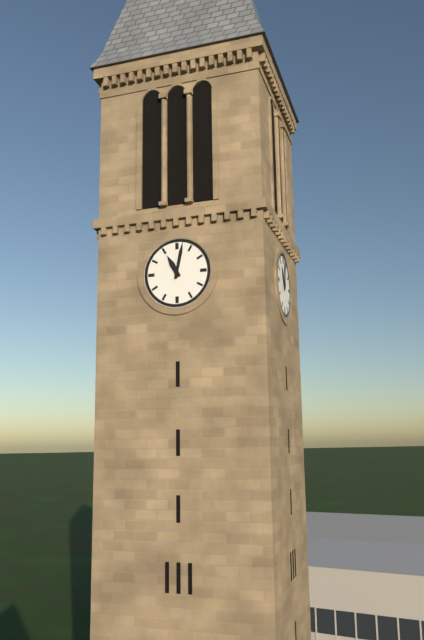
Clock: 11.02
